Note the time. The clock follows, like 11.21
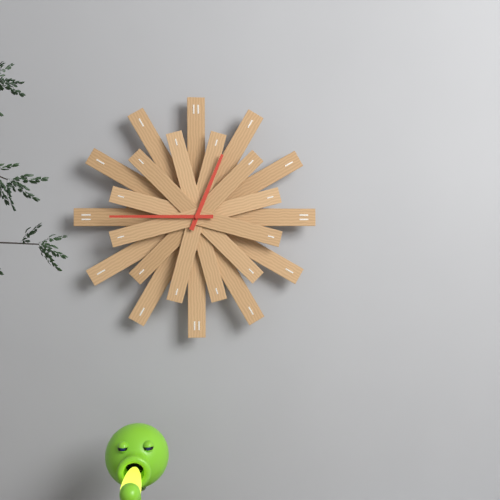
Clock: 12.45
